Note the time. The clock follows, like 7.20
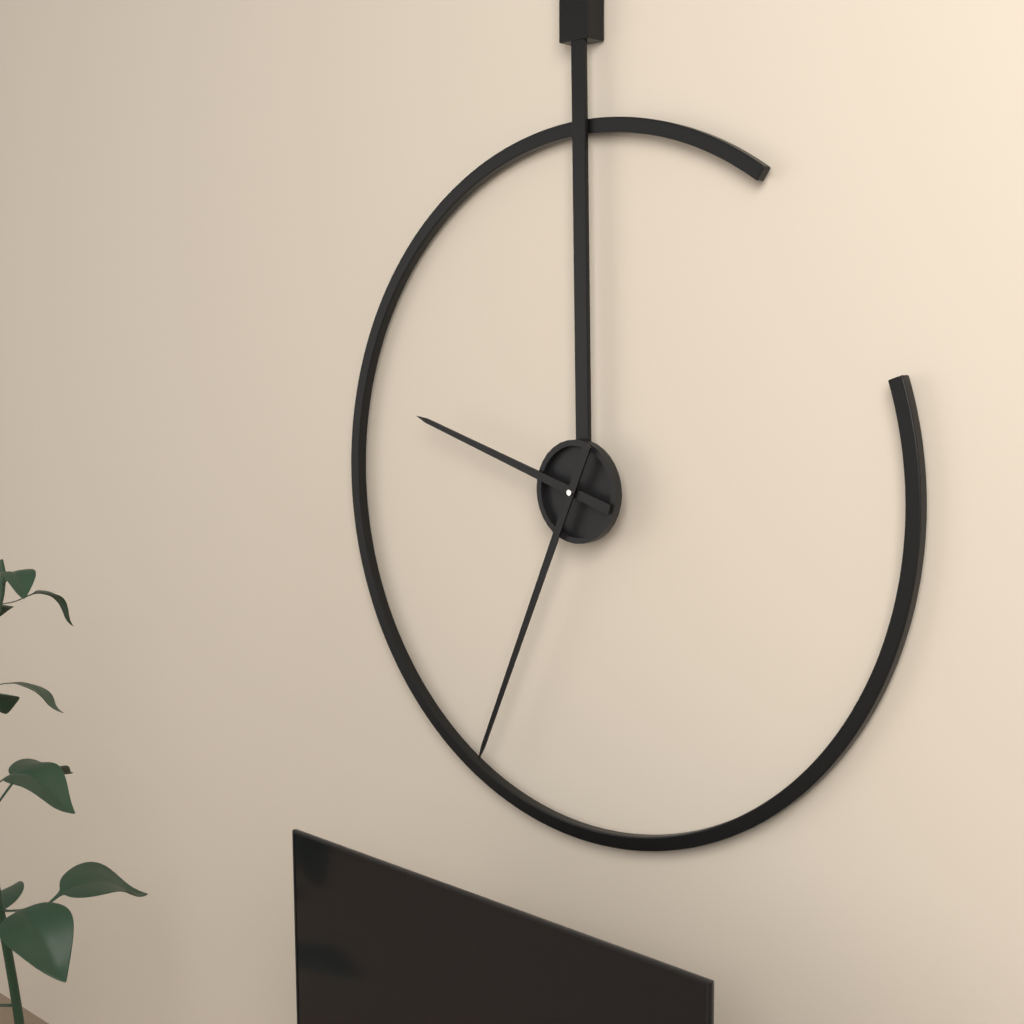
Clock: 9.34
